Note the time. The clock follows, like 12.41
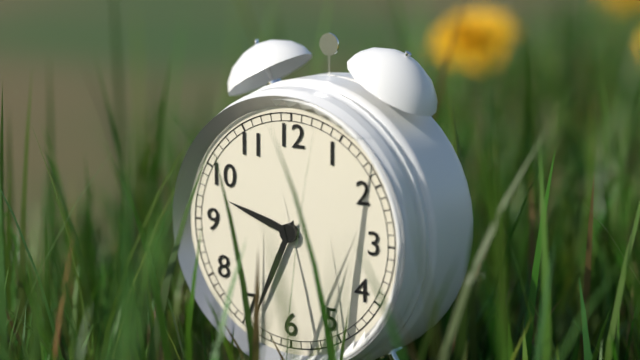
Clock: 9.34
